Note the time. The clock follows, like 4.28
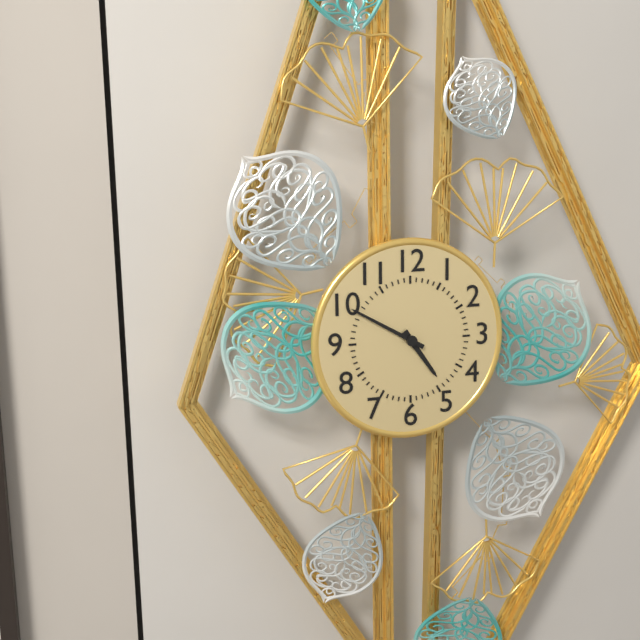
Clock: 4.50
